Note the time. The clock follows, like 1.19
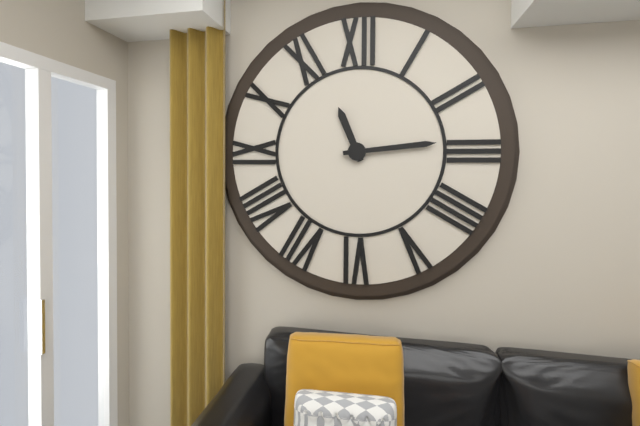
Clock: 11.14
